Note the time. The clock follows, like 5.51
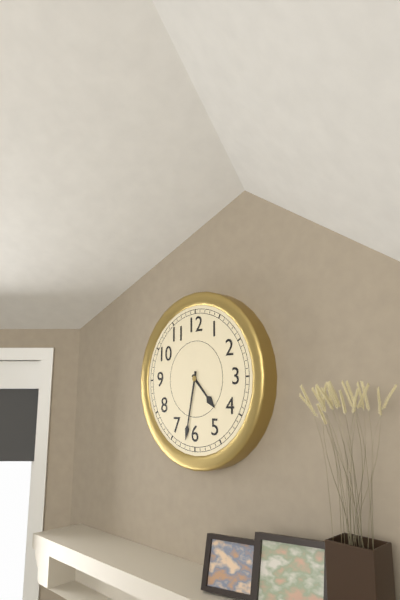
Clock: 4.32
